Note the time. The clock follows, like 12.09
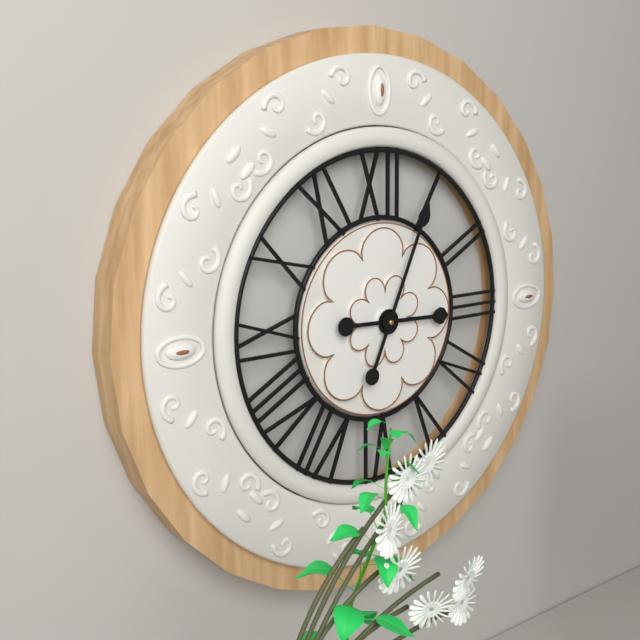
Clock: 3.04
